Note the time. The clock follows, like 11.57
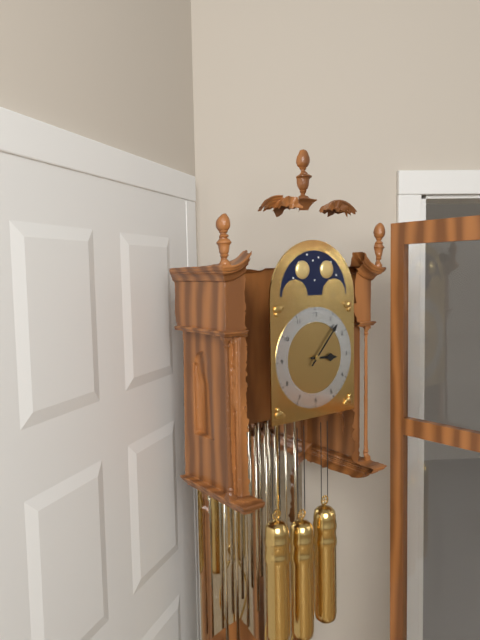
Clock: 3.07
